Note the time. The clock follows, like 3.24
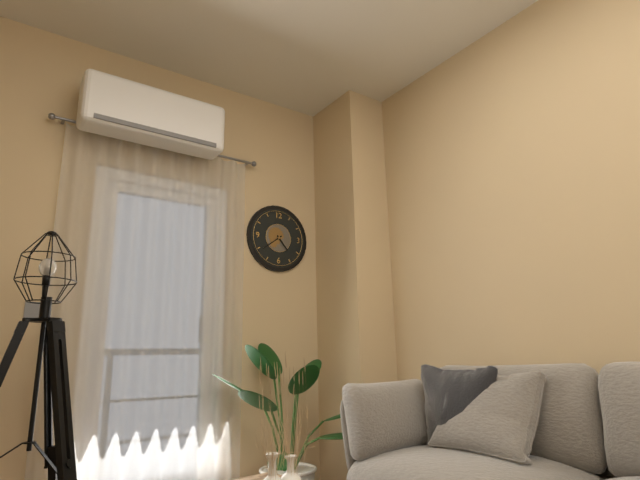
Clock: 4.39
